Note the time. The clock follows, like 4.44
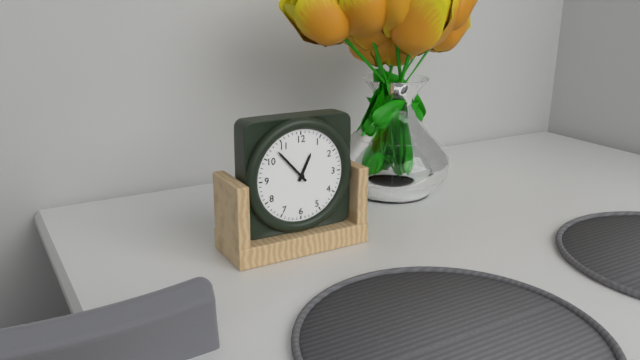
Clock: 12.53
